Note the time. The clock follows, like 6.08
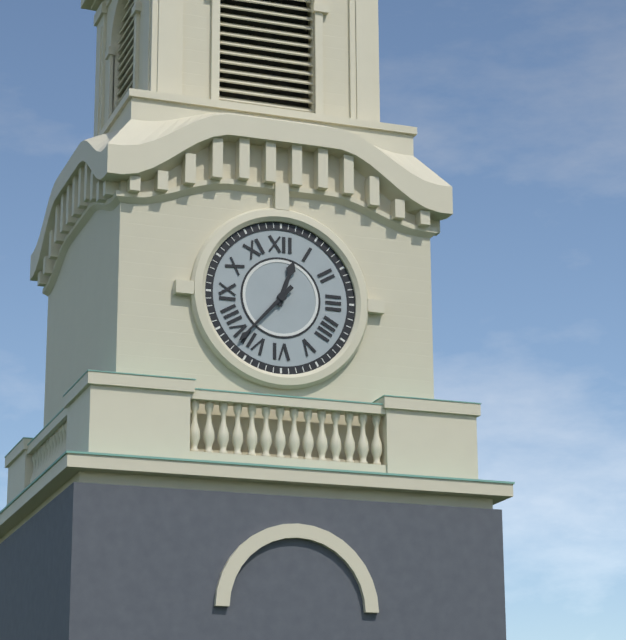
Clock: 12.37
